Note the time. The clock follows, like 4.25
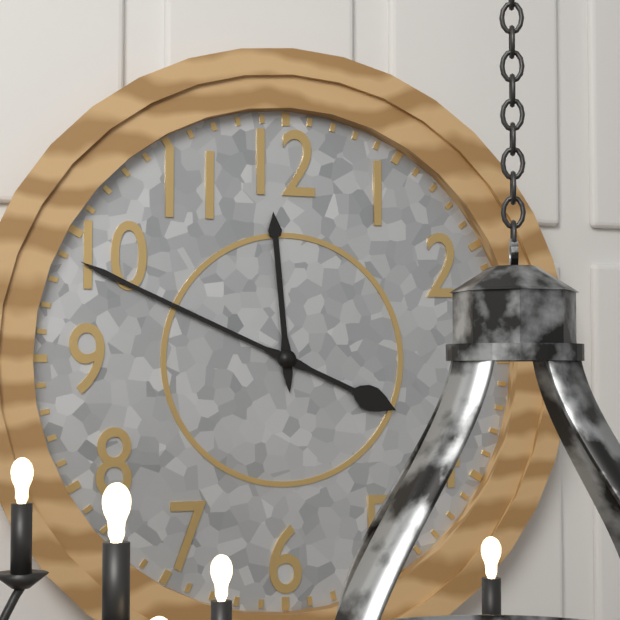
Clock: 11.49
